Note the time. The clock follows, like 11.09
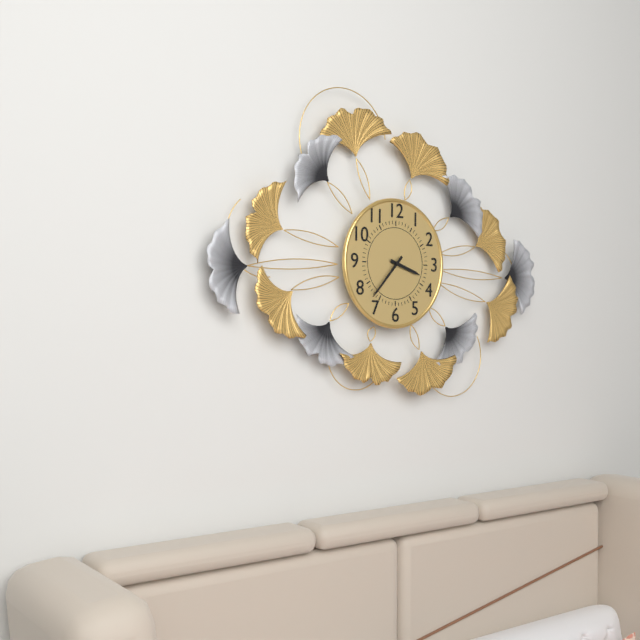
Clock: 3.37
